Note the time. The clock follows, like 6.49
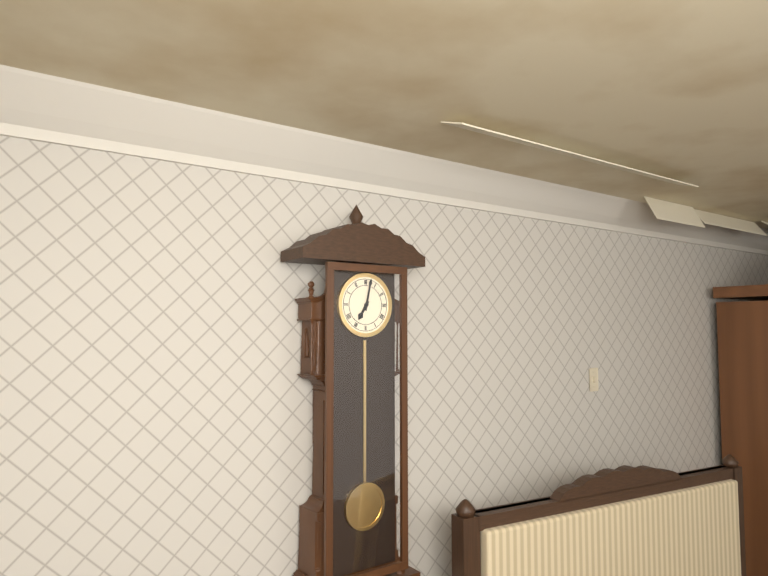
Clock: 7.02
